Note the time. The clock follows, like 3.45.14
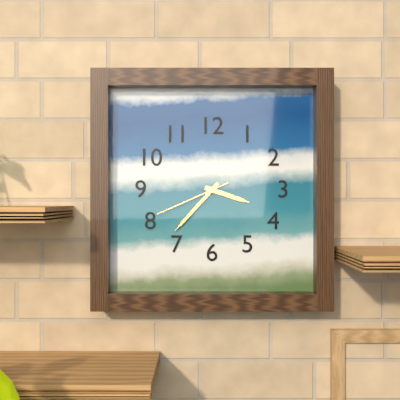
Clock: 3.37.41
